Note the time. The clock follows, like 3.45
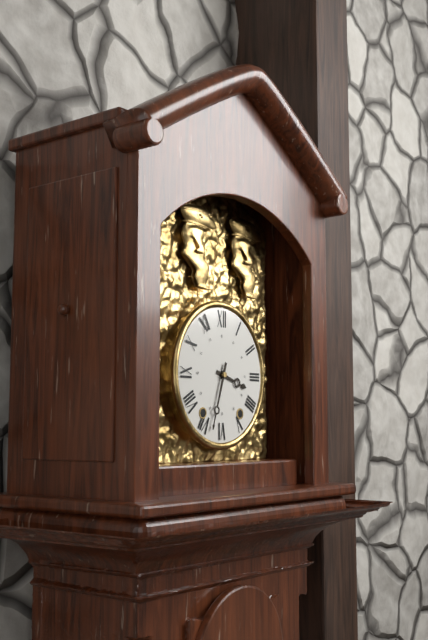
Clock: 3.33
